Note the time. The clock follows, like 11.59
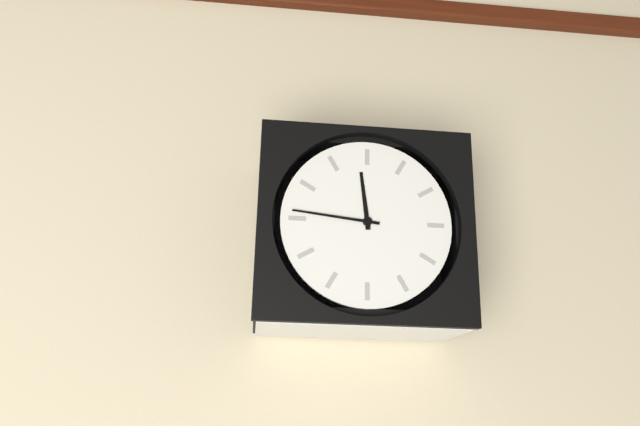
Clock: 11.46
